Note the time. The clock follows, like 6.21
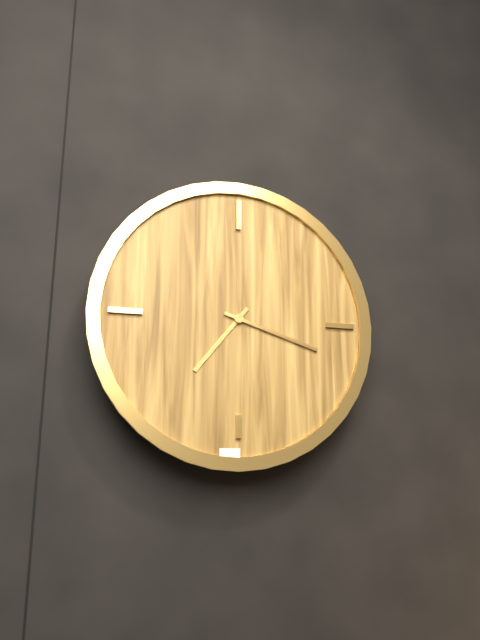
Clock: 7.18
